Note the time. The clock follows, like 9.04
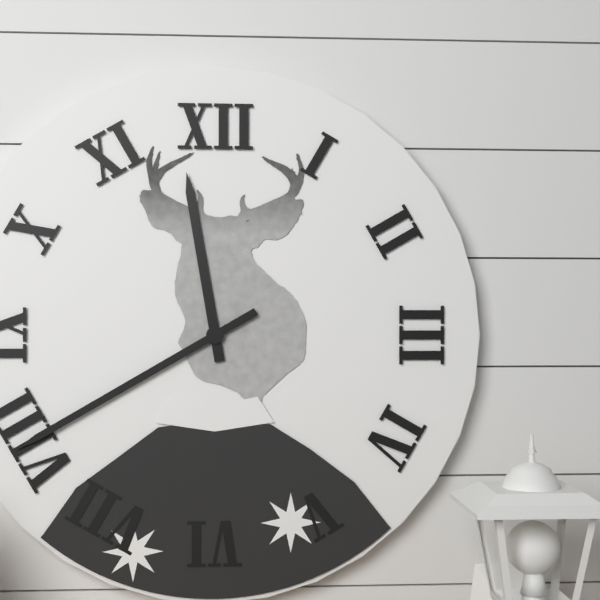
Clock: 11.40
